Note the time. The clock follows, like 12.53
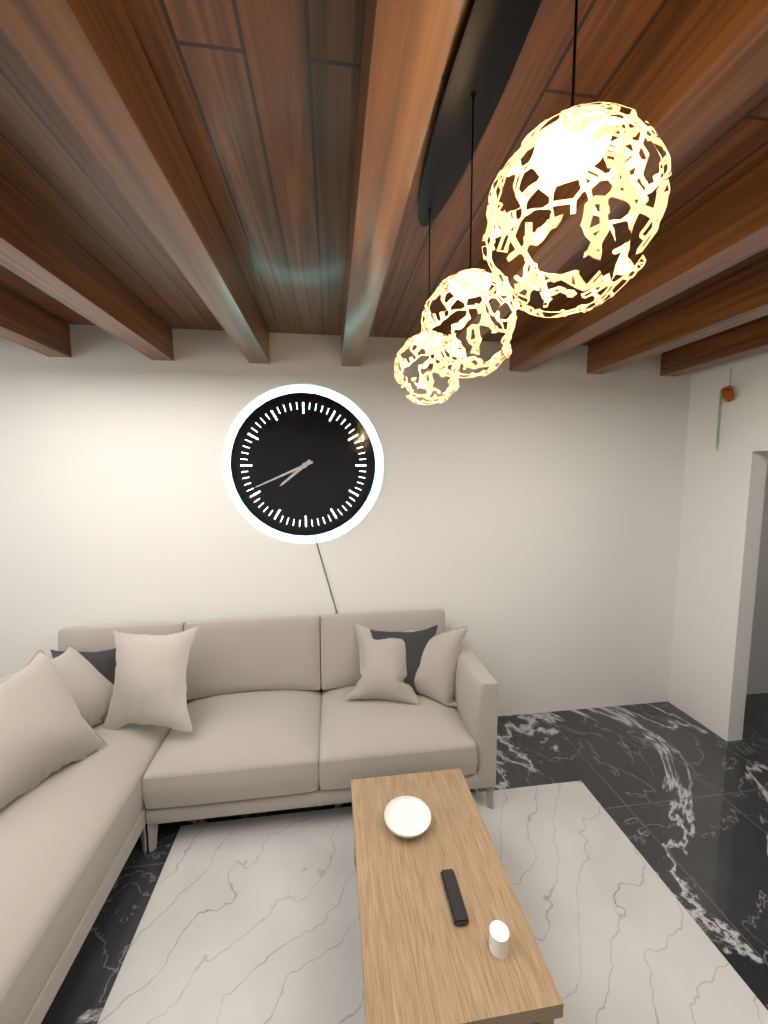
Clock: 7.41
